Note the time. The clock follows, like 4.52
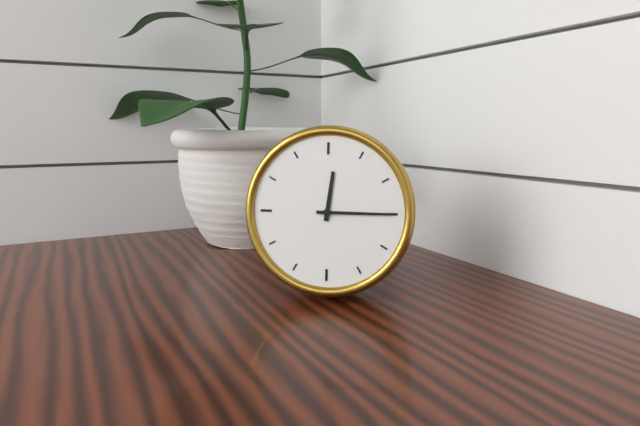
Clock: 12.15
